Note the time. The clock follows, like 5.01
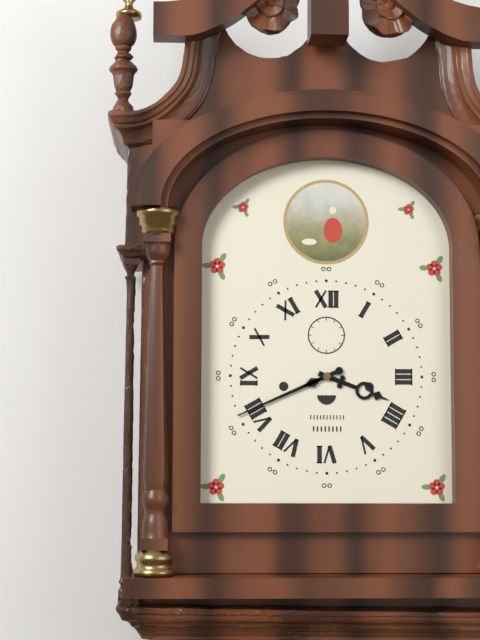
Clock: 3.41
